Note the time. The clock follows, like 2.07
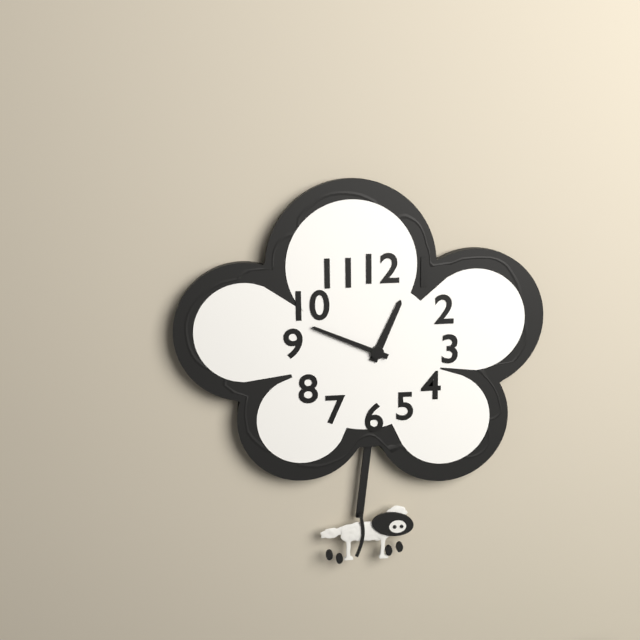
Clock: 12.49
